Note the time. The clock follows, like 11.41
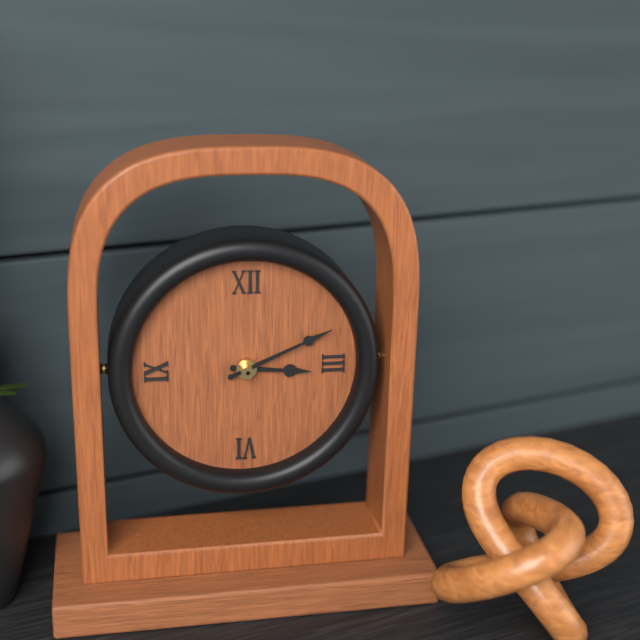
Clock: 3.11
